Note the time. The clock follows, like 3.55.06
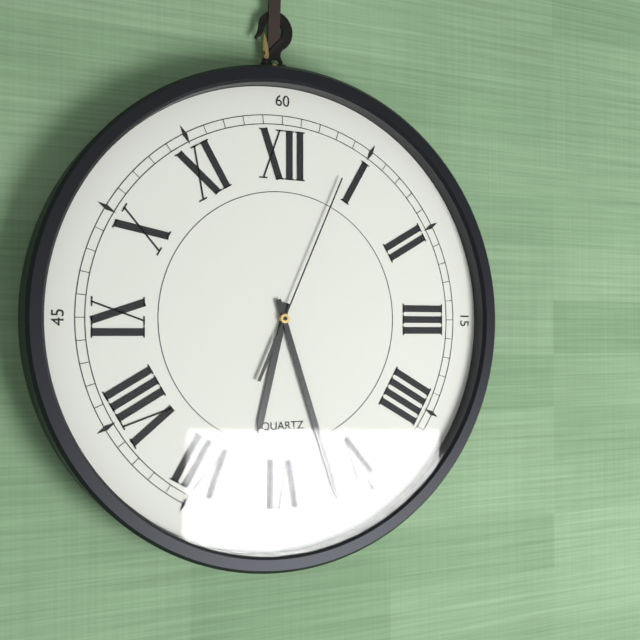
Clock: 6.27.04
